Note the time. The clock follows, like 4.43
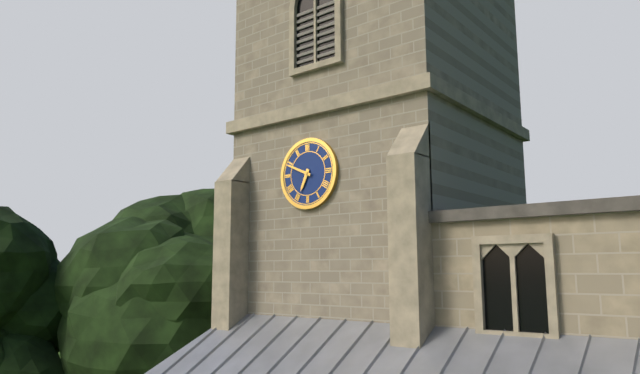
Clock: 6.49
